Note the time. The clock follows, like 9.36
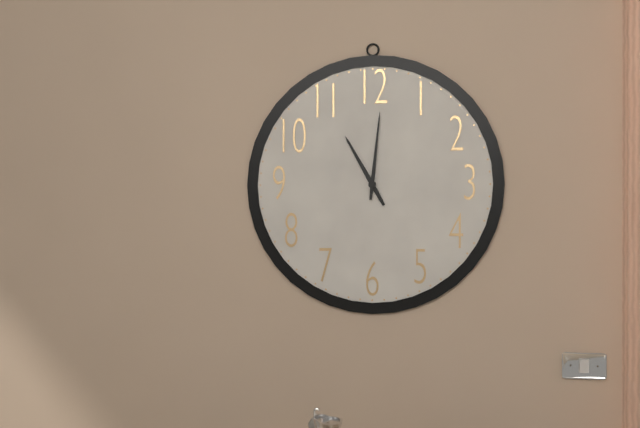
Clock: 11.01
